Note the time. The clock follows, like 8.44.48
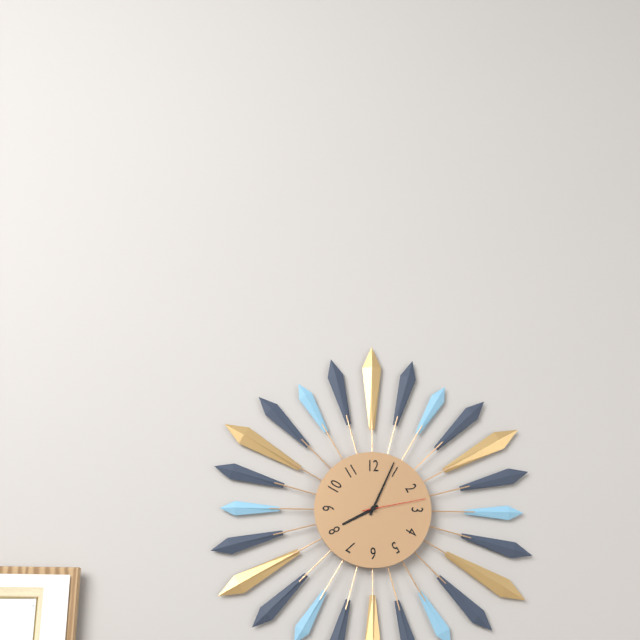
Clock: 8.04.13
